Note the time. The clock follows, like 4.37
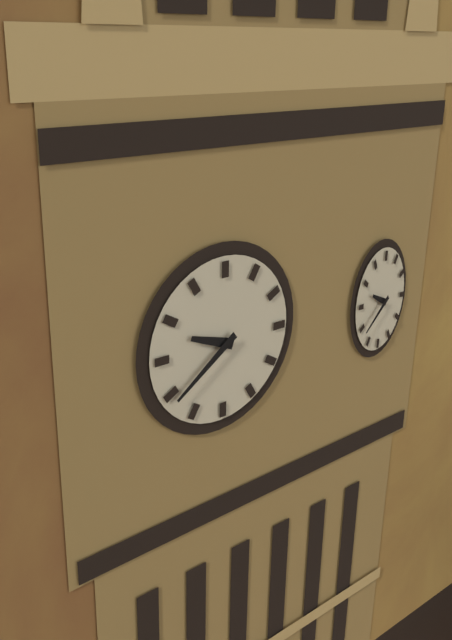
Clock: 9.39
